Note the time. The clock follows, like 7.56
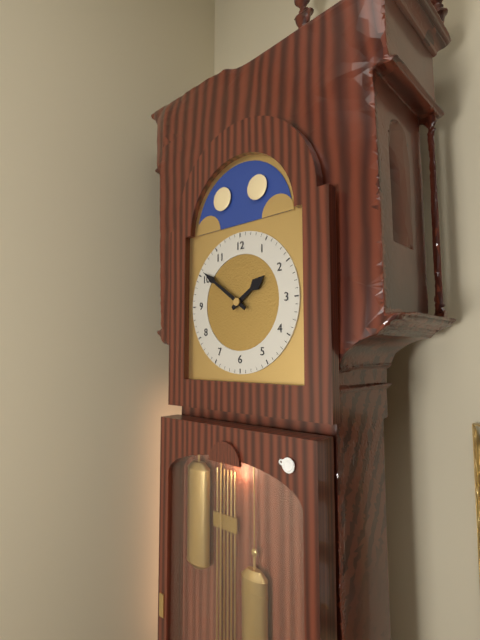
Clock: 1.51
